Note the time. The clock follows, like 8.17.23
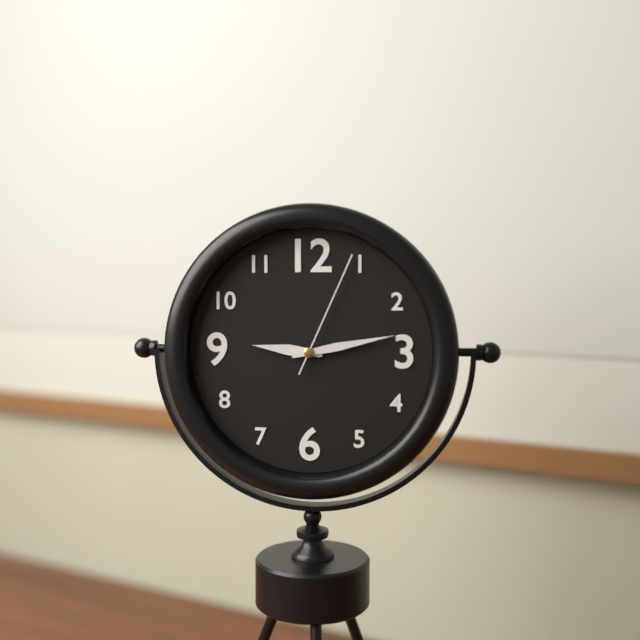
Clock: 9.13.04
